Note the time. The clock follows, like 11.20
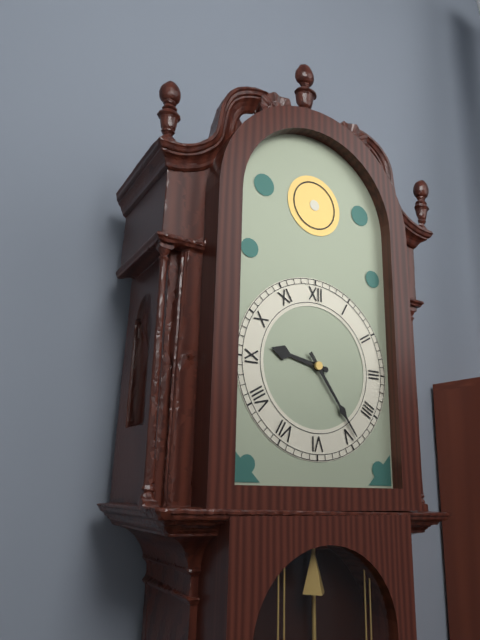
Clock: 9.24
